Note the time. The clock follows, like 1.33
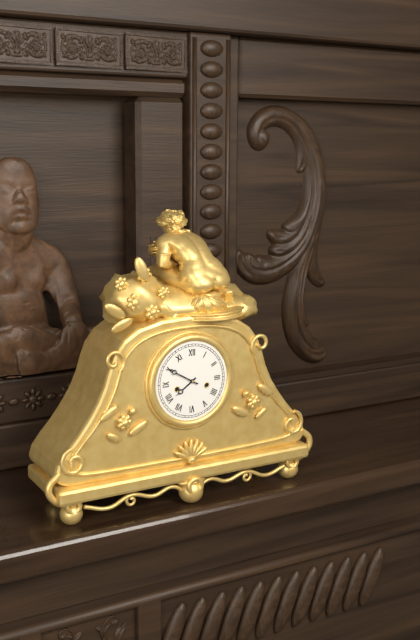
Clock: 7.50
